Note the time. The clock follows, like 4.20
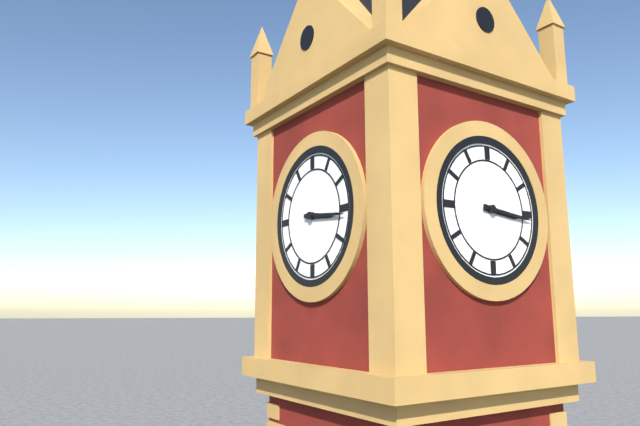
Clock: 3.16
